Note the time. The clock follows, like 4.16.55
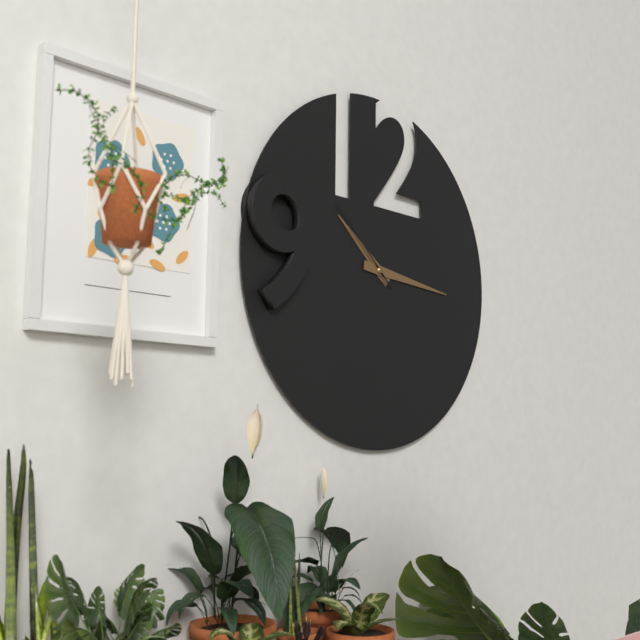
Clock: 10.16.52
